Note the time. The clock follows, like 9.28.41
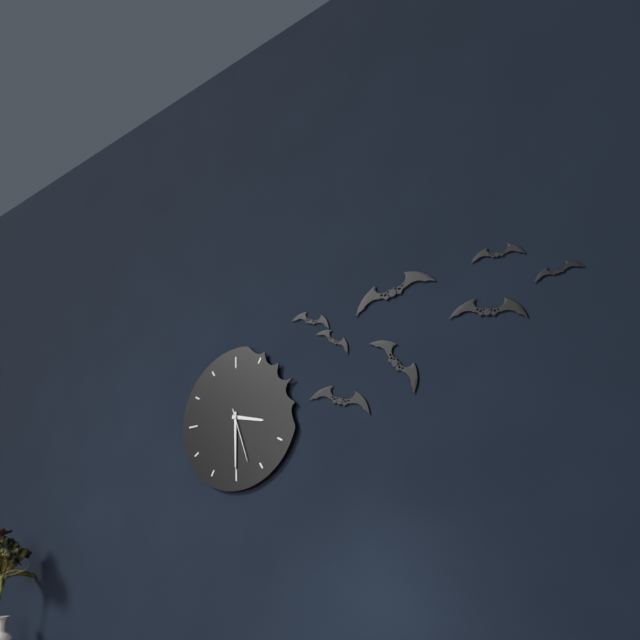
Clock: 3.30.27
